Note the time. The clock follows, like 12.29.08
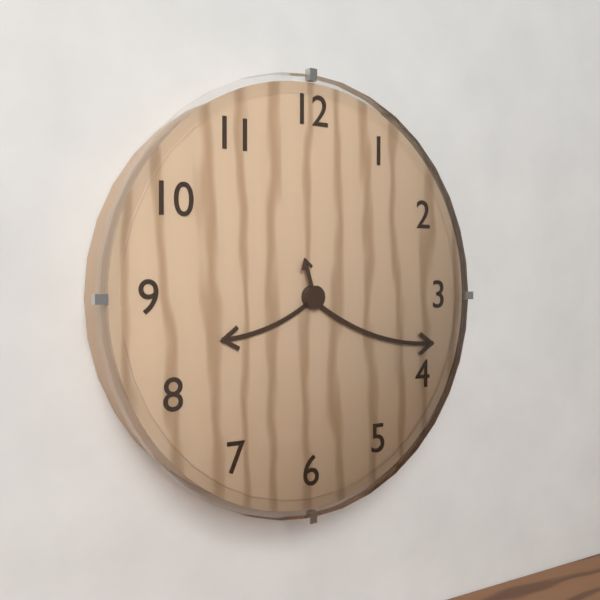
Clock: 8.18.57
